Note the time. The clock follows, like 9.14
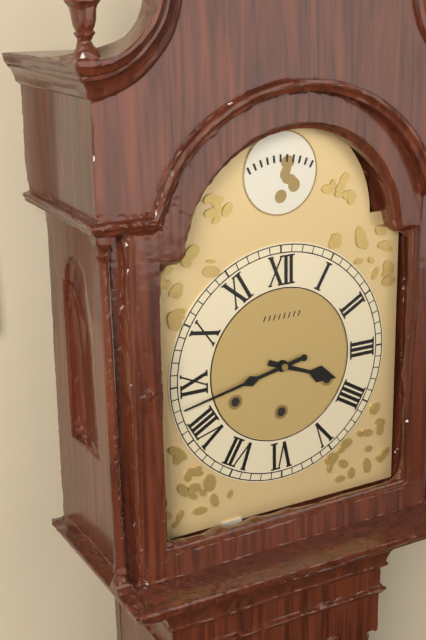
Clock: 3.43
